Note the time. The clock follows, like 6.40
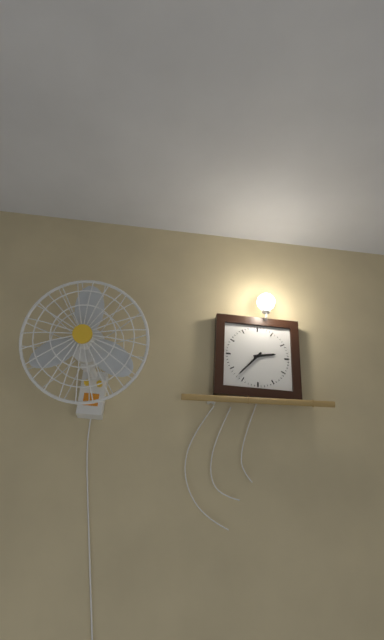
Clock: 2.37
